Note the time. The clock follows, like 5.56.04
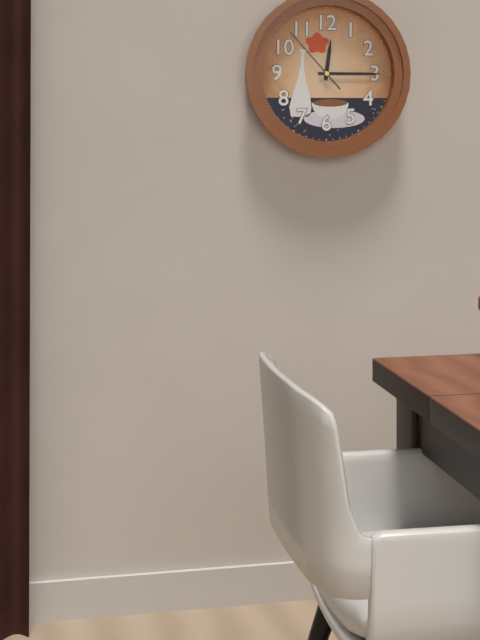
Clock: 12.15.53
